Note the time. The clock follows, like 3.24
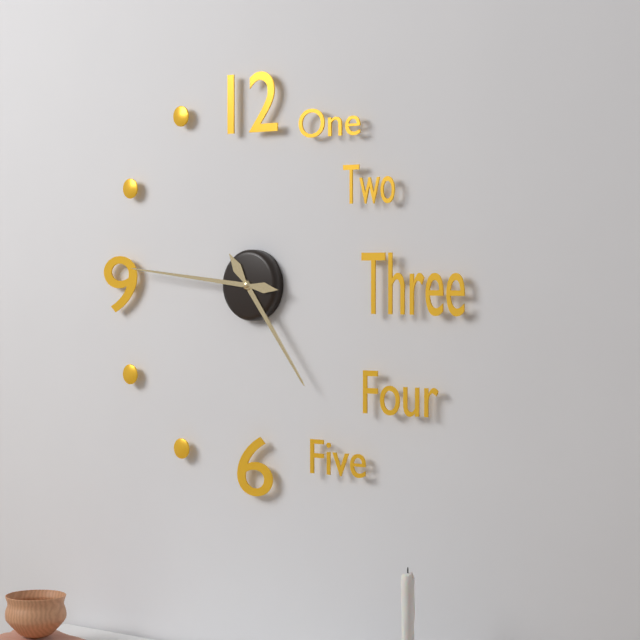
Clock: 4.46
